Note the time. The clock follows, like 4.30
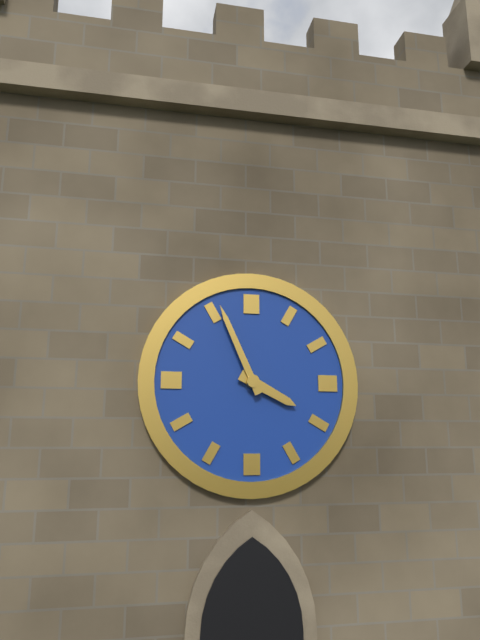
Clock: 3.56
